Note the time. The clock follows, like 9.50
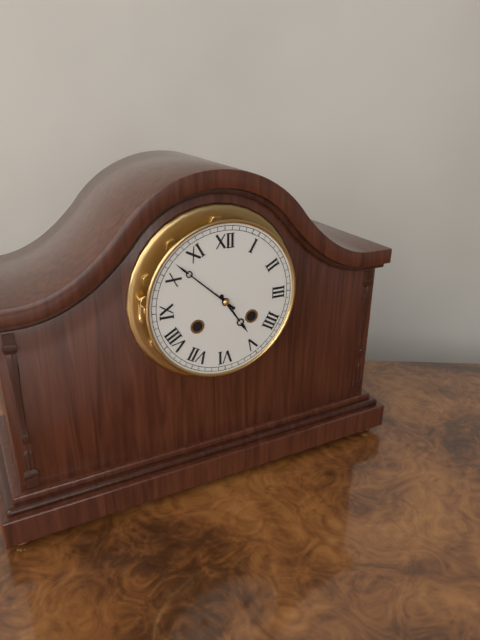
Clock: 4.52
